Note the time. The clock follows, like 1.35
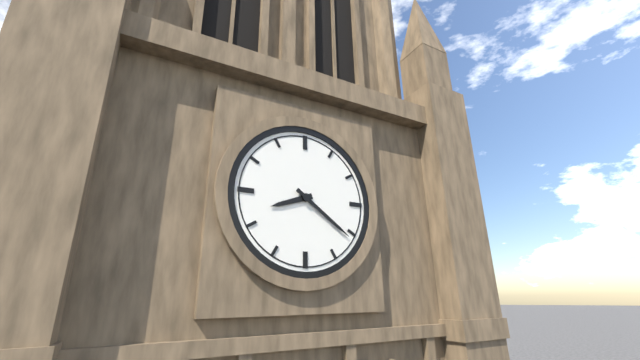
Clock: 8.21
